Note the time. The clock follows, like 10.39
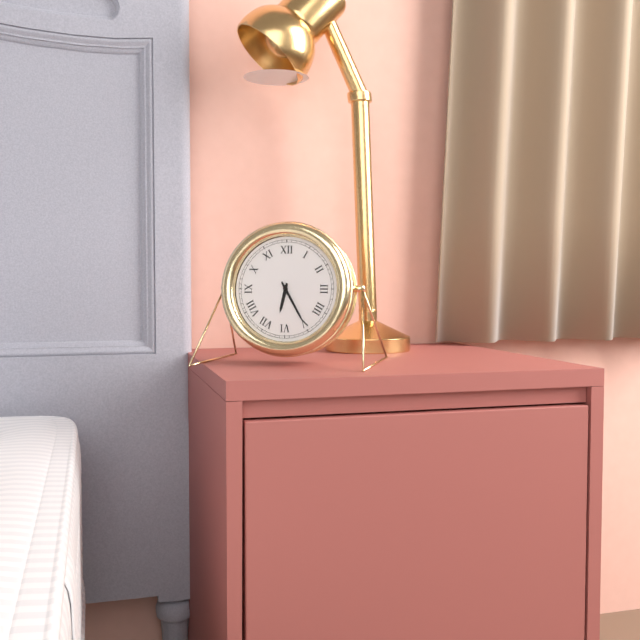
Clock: 6.25
